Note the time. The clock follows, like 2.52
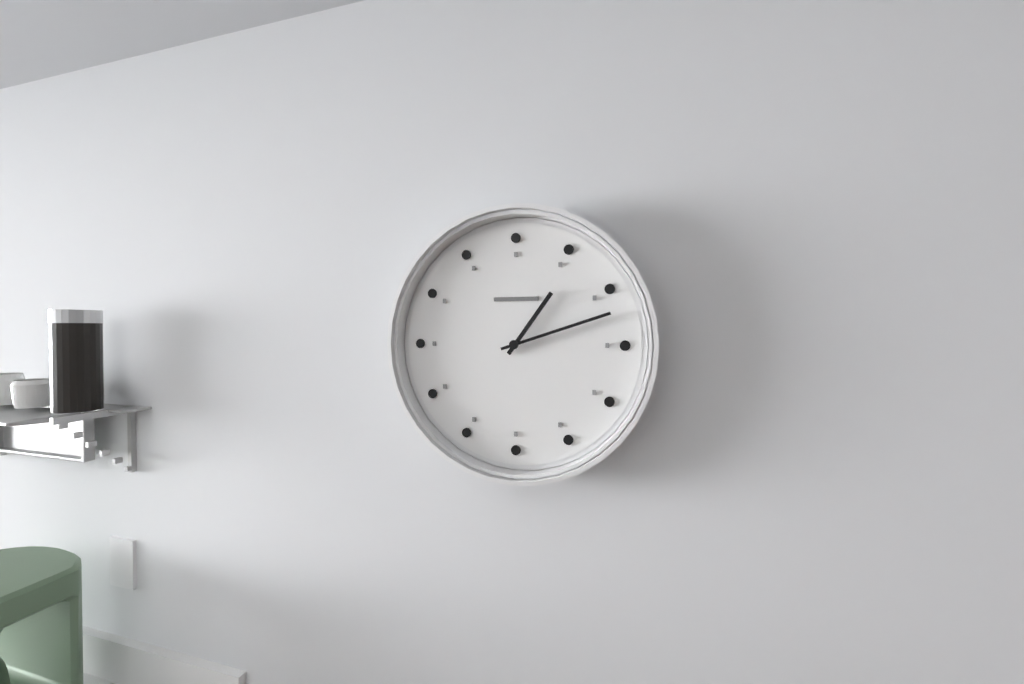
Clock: 1.12
